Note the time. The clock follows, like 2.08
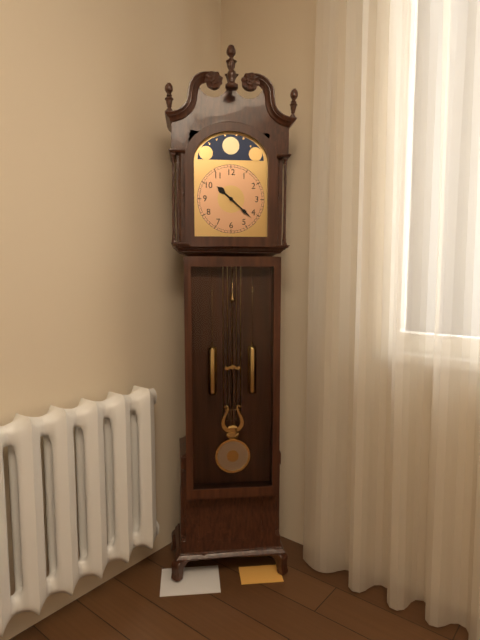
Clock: 10.22
